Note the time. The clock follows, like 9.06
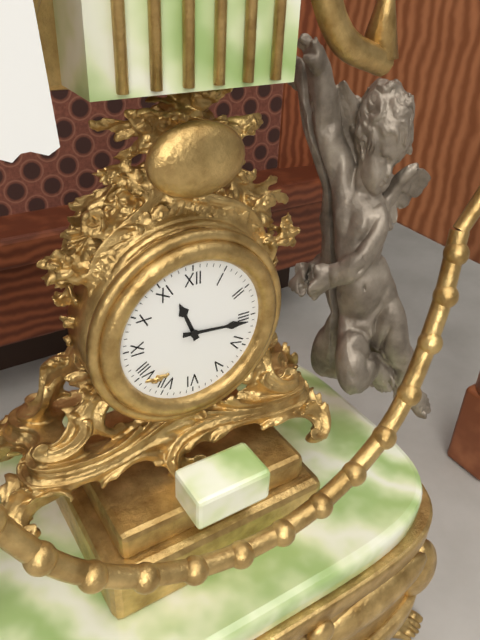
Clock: 11.16
